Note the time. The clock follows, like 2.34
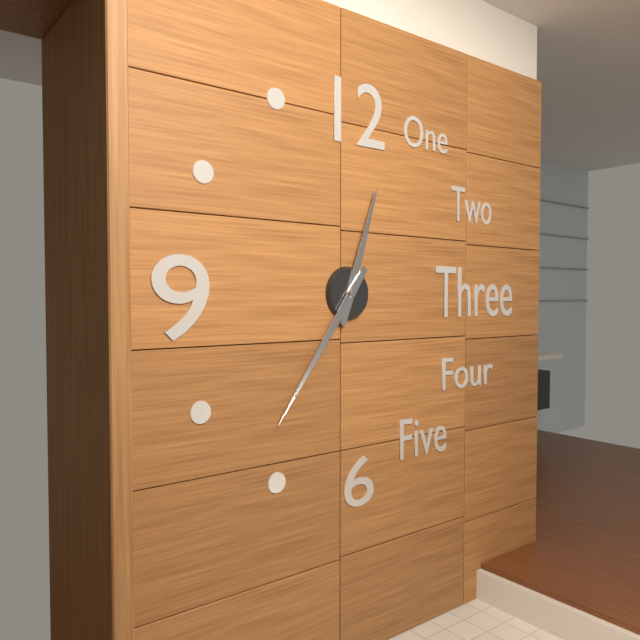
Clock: 12.36
